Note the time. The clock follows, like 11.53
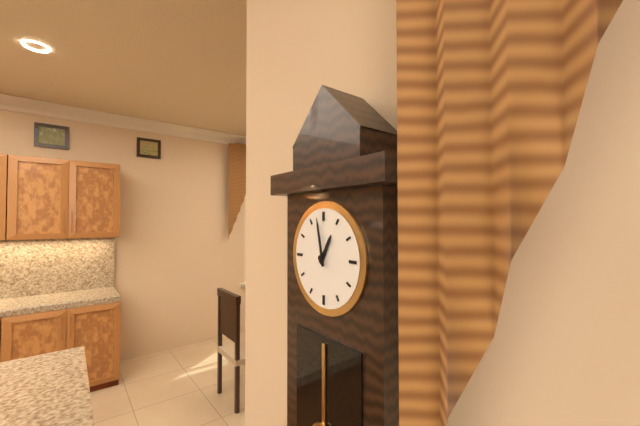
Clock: 12.58
